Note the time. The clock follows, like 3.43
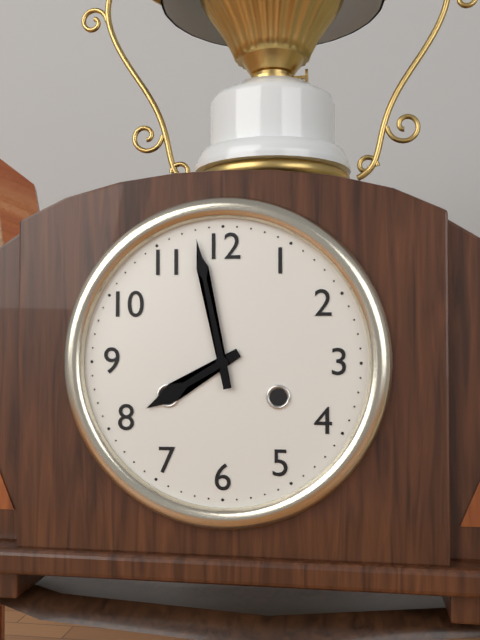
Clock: 7.58
